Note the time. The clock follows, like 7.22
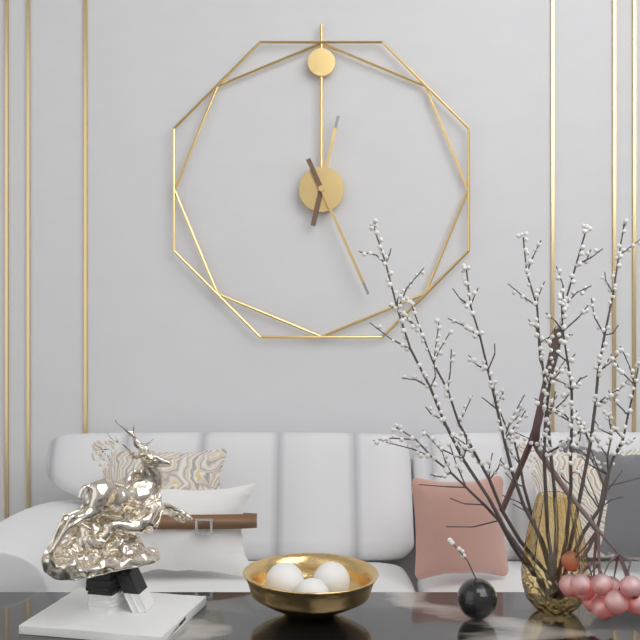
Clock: 12.26
